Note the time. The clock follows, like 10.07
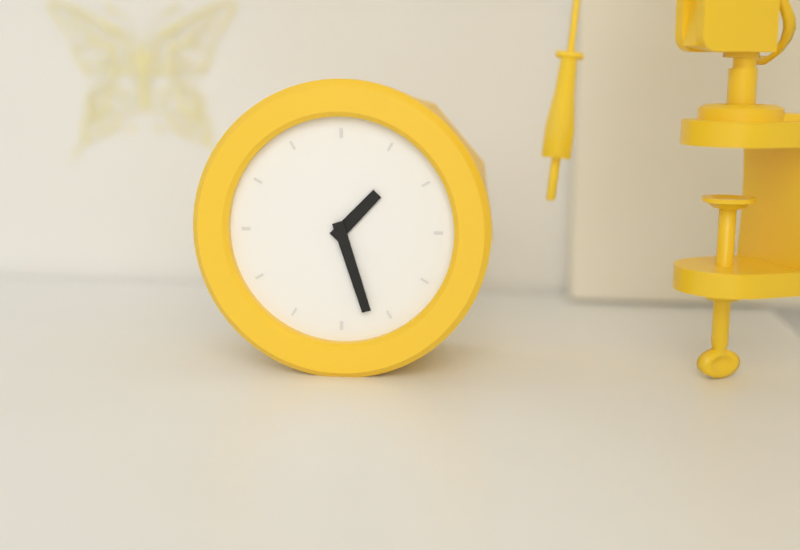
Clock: 1.27
